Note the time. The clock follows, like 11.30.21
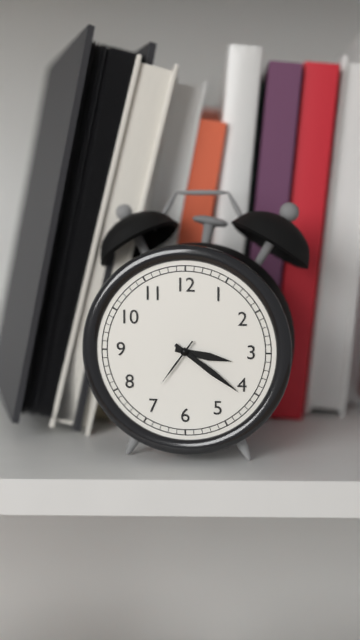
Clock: 3.21.36
